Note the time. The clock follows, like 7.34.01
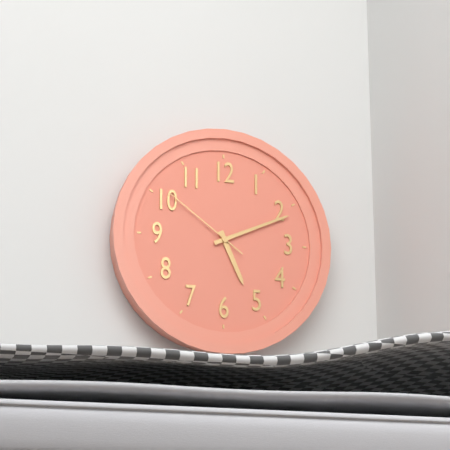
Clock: 5.11.51
